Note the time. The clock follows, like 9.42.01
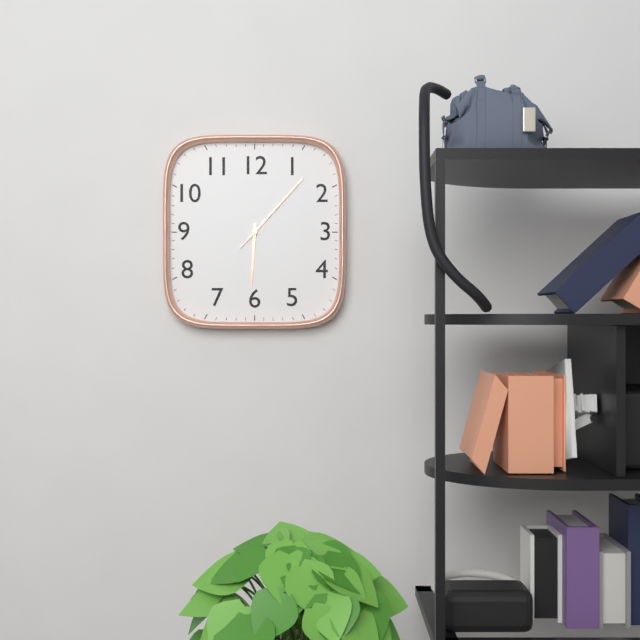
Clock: 6.07.07
